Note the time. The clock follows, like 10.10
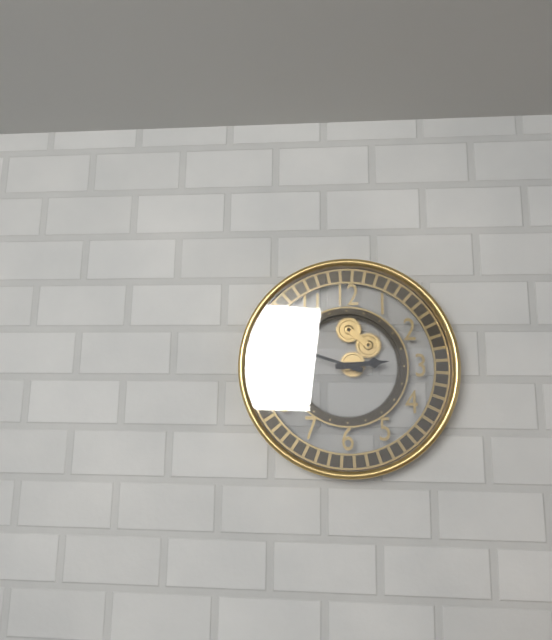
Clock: 2.48
